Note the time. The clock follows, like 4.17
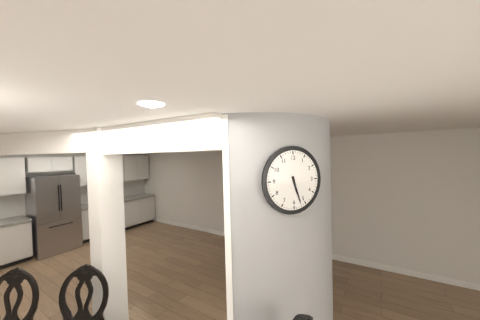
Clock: 5.27
